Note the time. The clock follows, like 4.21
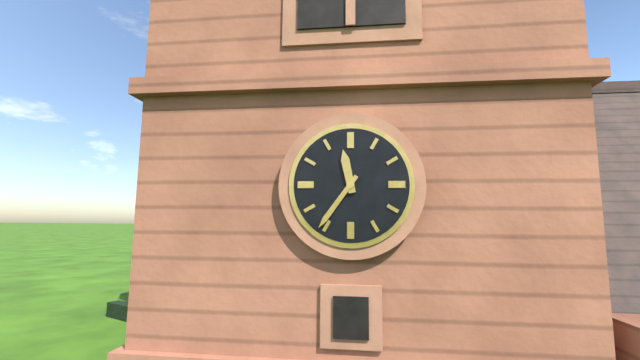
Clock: 11.36
